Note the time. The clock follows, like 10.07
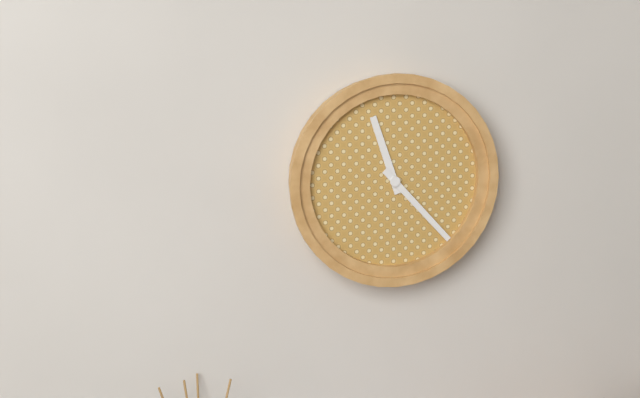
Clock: 11.23
